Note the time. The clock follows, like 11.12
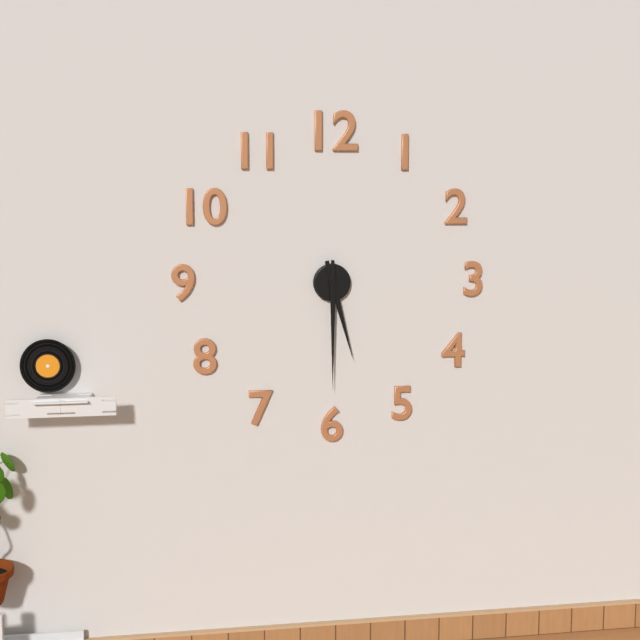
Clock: 5.30
